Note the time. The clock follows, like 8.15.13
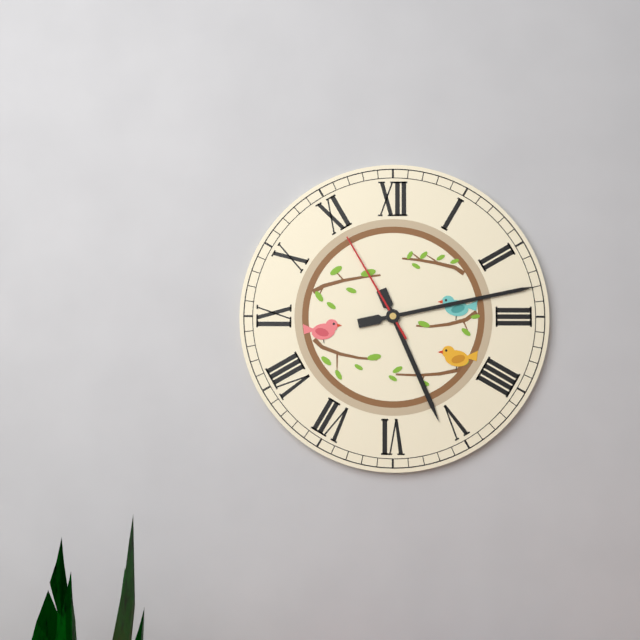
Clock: 5.13.55
